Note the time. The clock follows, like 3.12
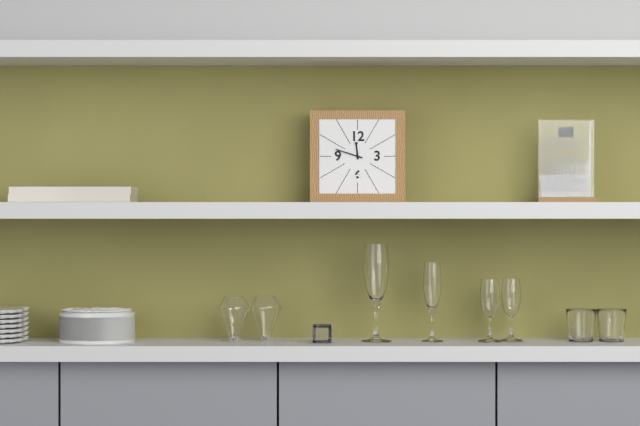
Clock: 11.48
